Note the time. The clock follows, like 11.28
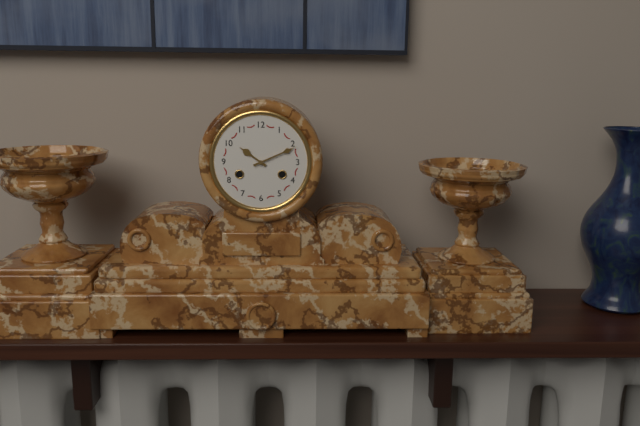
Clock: 10.11
